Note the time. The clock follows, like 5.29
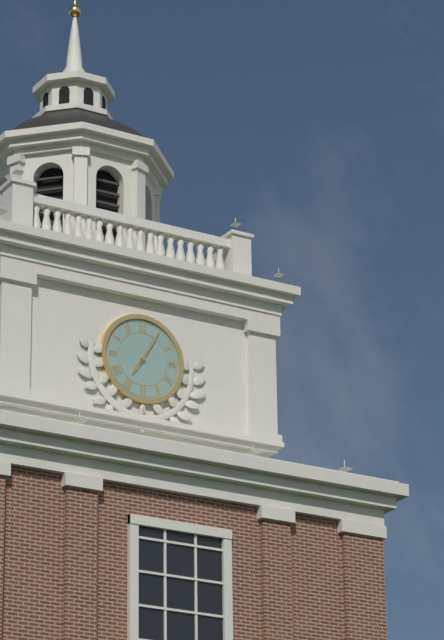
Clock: 7.05
